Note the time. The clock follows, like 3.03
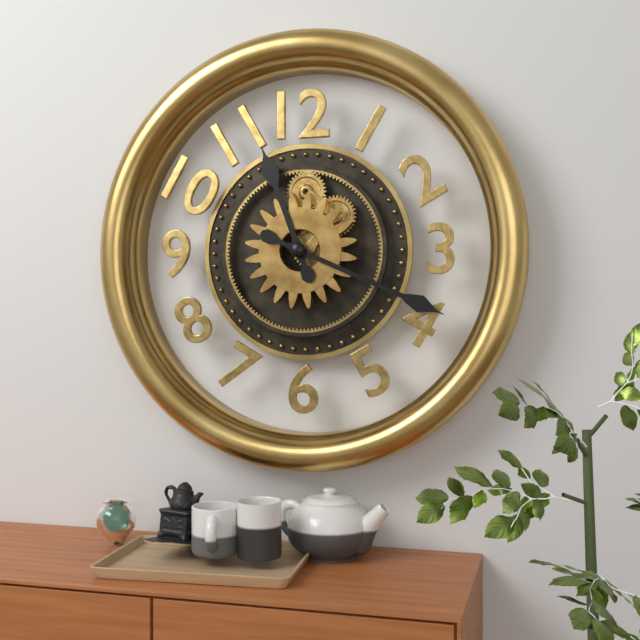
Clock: 11.19
